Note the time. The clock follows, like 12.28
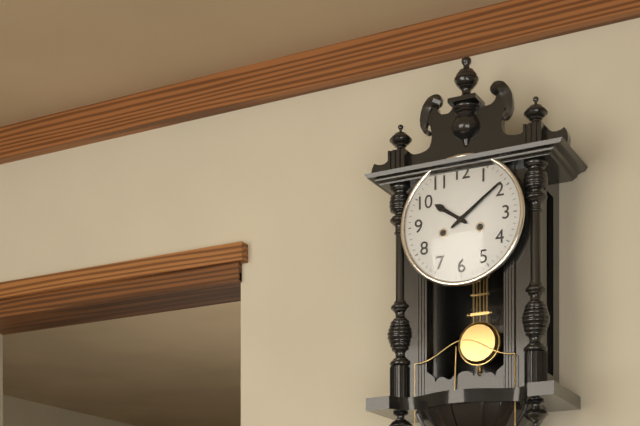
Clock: 10.09
